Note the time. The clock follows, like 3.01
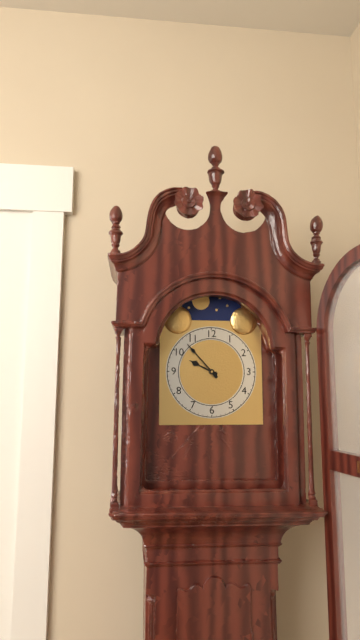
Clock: 9.53
